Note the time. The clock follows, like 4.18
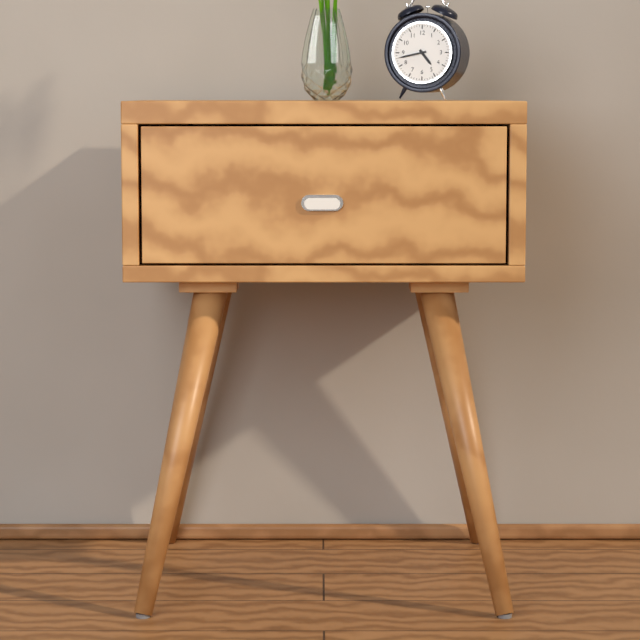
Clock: 4.43
